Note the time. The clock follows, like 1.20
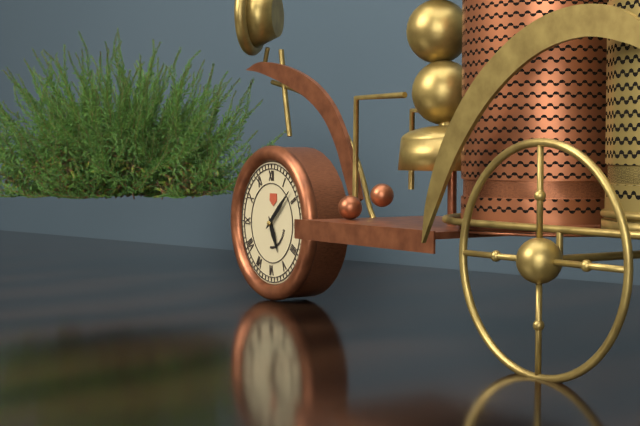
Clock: 5.08
